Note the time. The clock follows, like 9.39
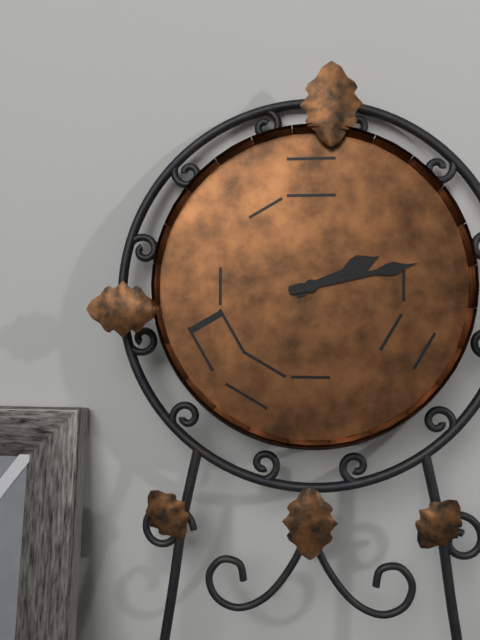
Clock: 2.13
